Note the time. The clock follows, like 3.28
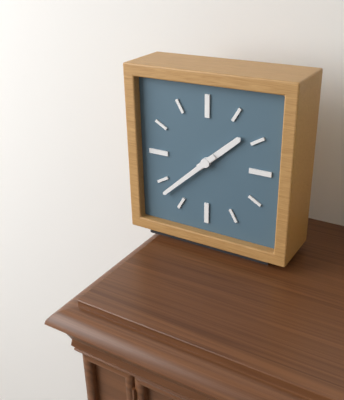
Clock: 1.38
